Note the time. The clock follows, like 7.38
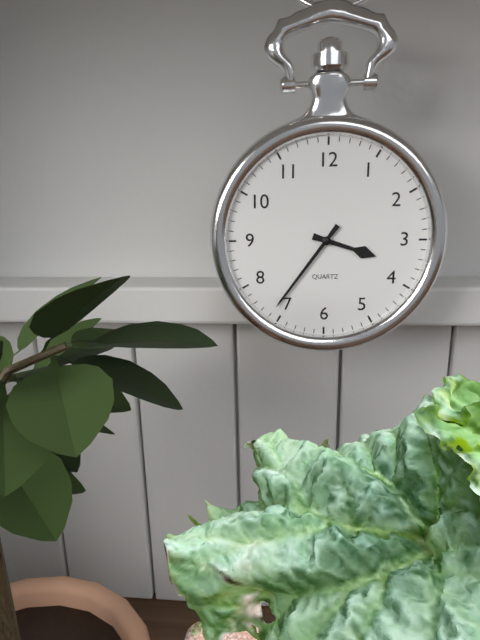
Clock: 3.36
